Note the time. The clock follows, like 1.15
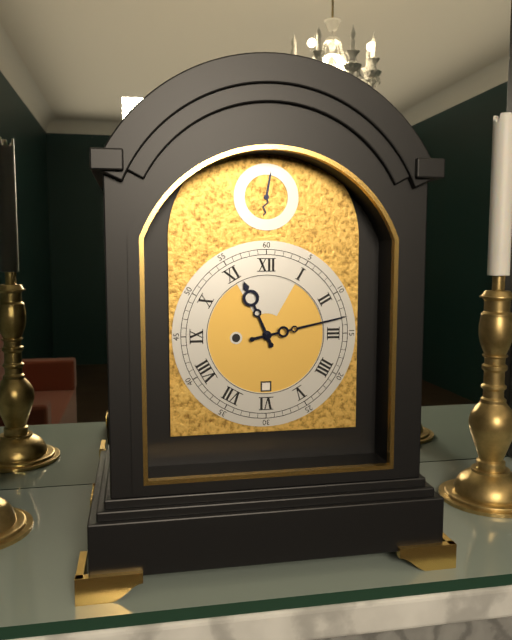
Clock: 11.13
